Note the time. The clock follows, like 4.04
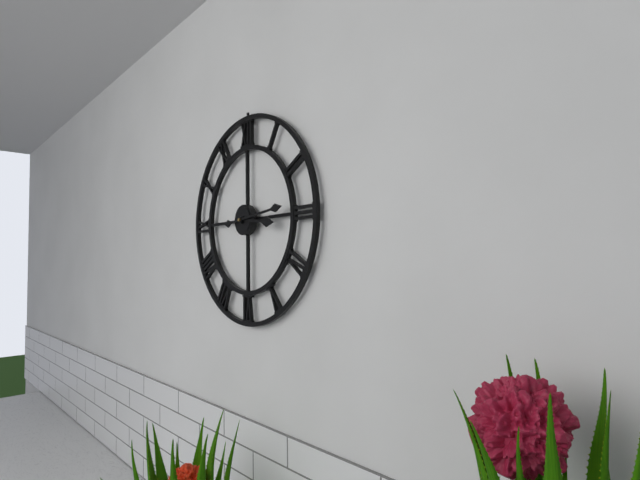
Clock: 3.14
